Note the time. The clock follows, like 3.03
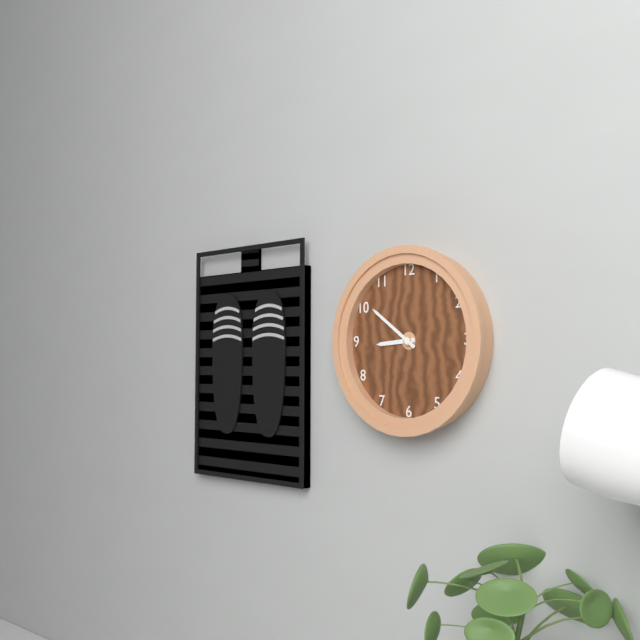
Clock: 8.51
